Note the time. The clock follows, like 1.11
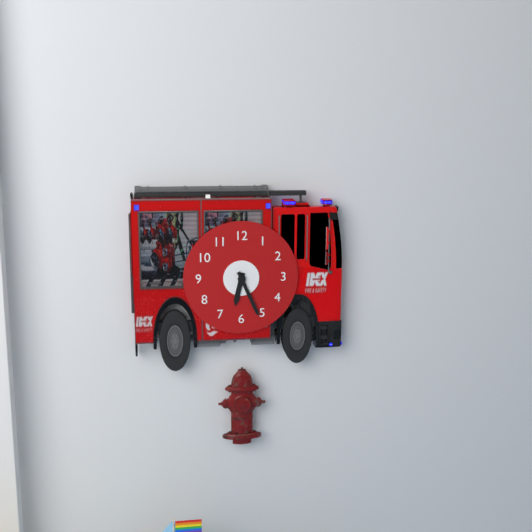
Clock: 6.26
